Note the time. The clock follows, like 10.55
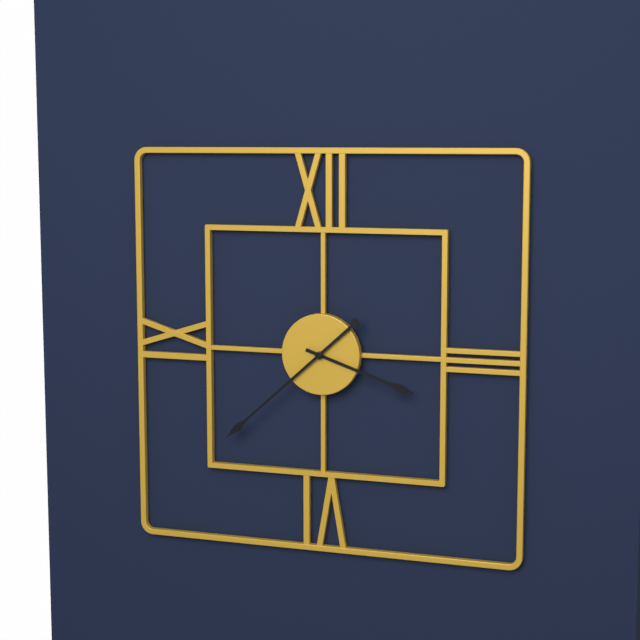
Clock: 3.38
